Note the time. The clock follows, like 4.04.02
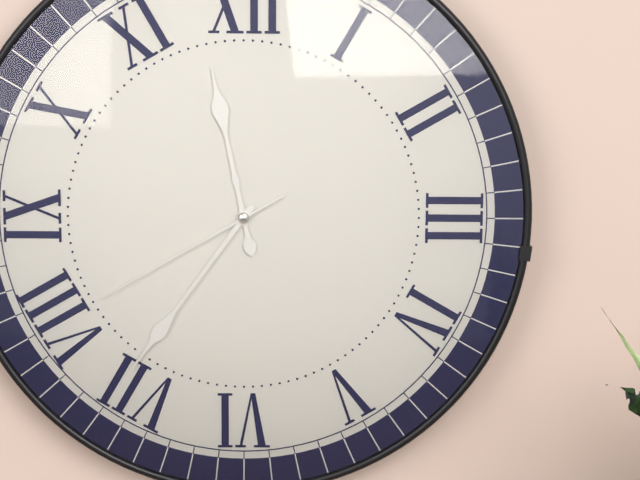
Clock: 11.36.40
